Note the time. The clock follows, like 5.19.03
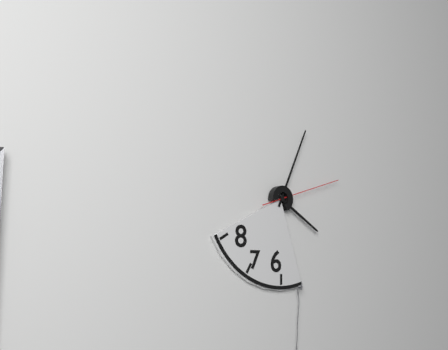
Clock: 4.04.12
